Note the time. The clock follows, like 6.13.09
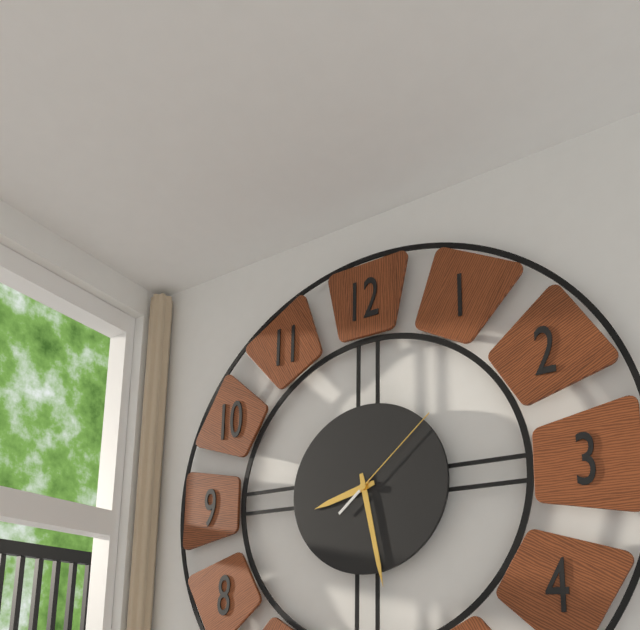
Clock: 8.28.08
